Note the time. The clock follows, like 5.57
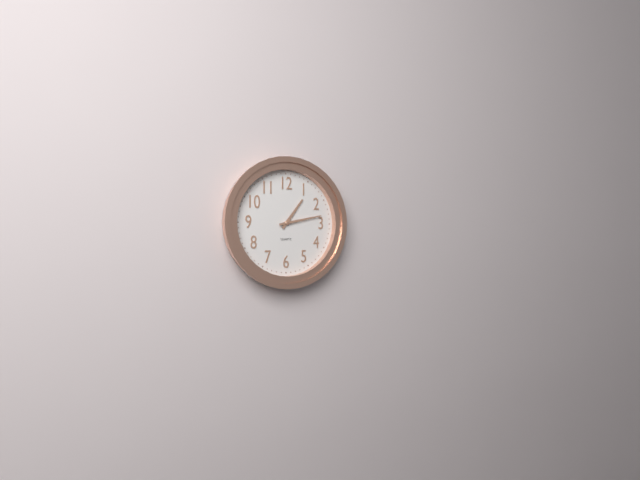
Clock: 1.13
